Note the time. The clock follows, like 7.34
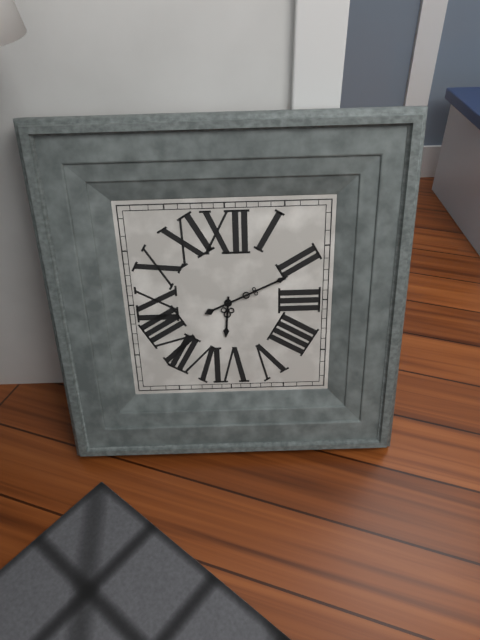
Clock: 6.11
